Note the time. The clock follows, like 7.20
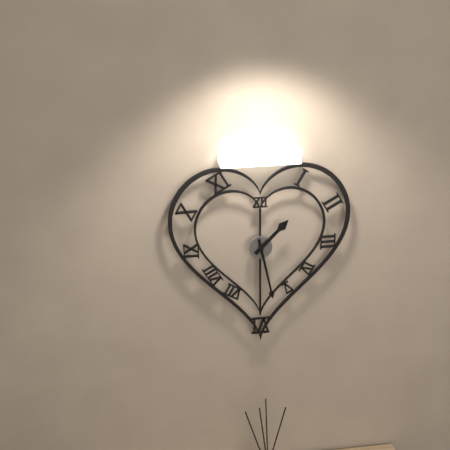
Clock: 1.28
